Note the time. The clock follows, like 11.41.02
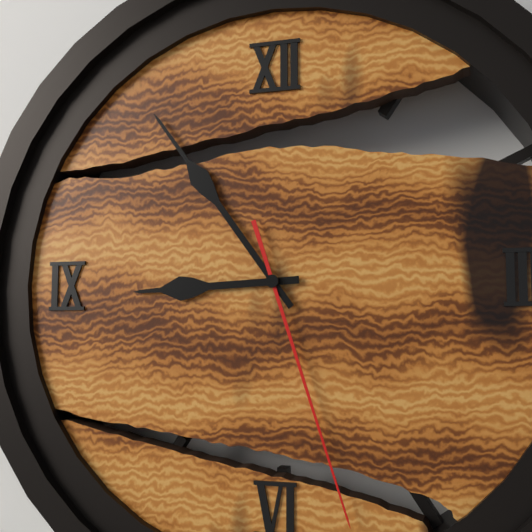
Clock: 8.54.27
